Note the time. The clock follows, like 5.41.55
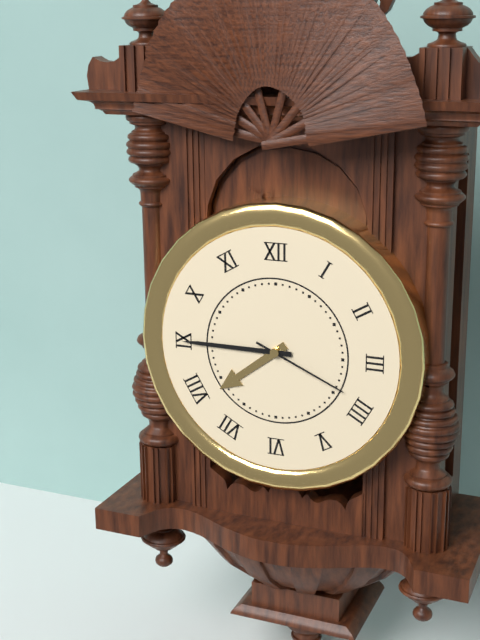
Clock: 7.45.19
